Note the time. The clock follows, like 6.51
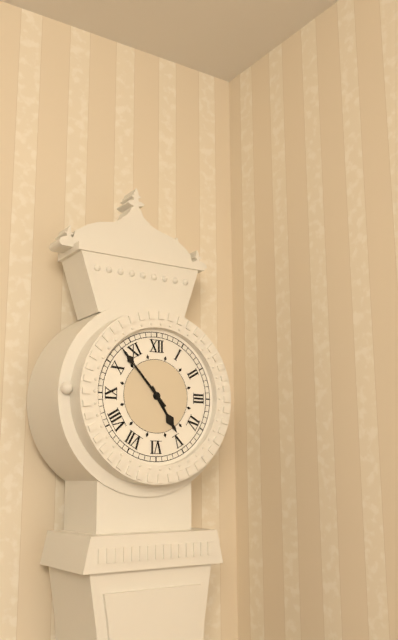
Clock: 4.53
